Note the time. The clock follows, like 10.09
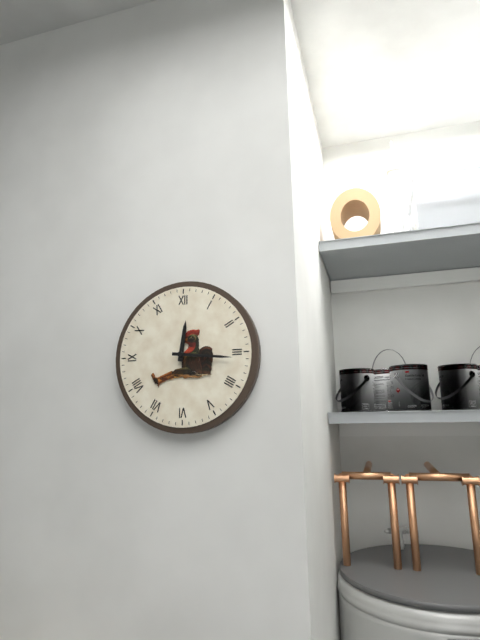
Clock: 12.16
